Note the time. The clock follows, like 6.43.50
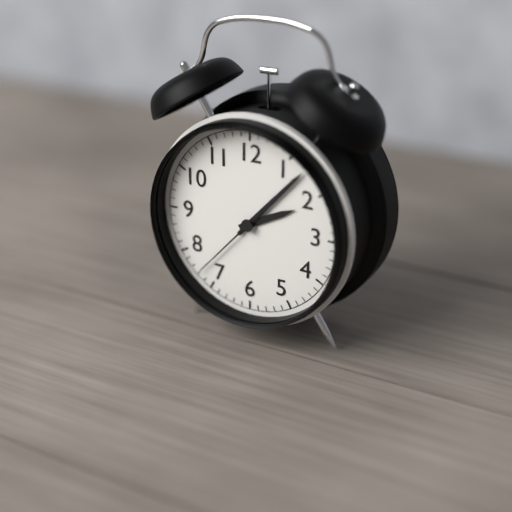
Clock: 2.07.37
